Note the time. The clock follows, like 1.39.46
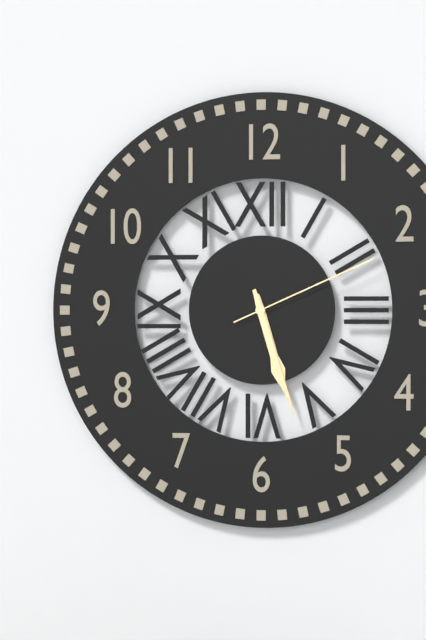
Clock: 5.27.11
